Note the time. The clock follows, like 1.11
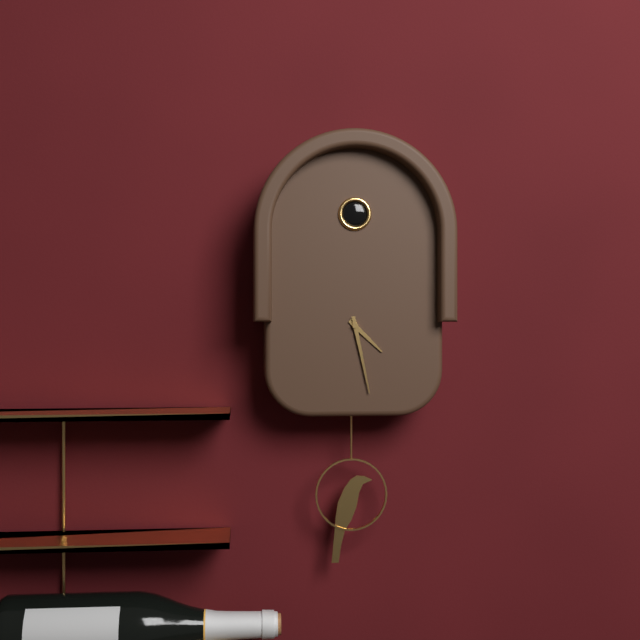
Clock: 4.28
